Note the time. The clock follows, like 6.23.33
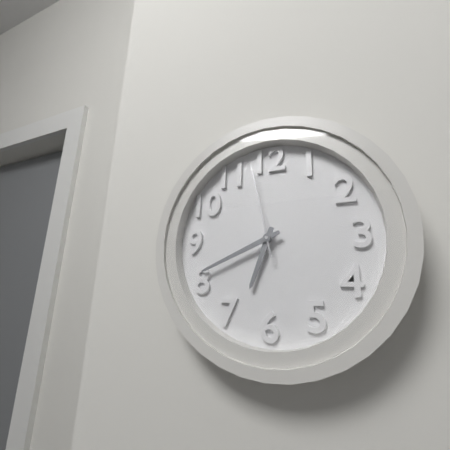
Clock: 6.41.58
